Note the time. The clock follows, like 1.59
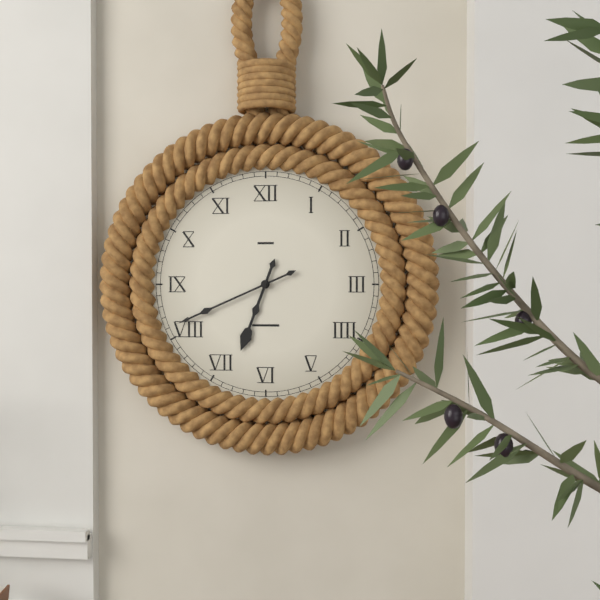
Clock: 6.41
